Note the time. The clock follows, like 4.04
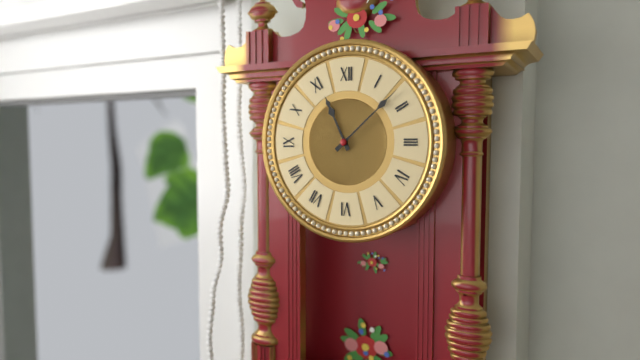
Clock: 11.08
